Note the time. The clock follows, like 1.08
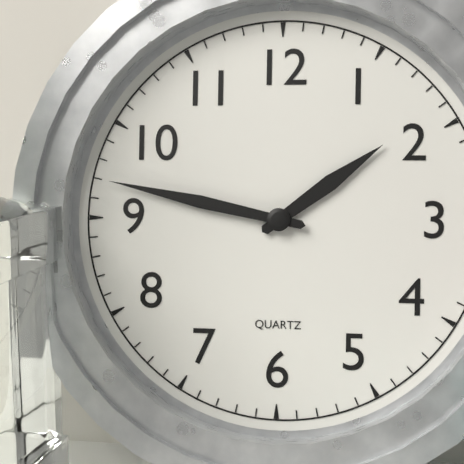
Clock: 1.47
